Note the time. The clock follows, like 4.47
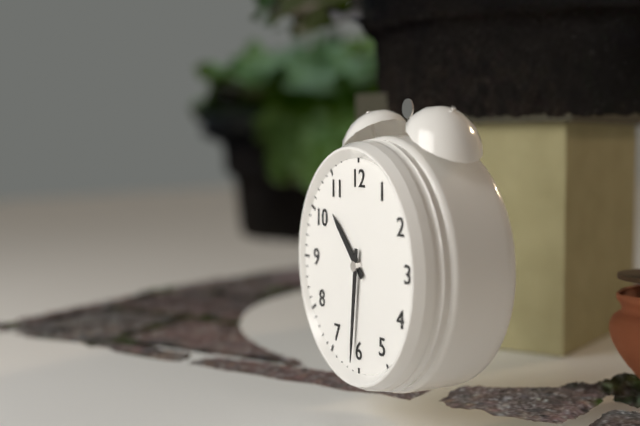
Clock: 10.31
